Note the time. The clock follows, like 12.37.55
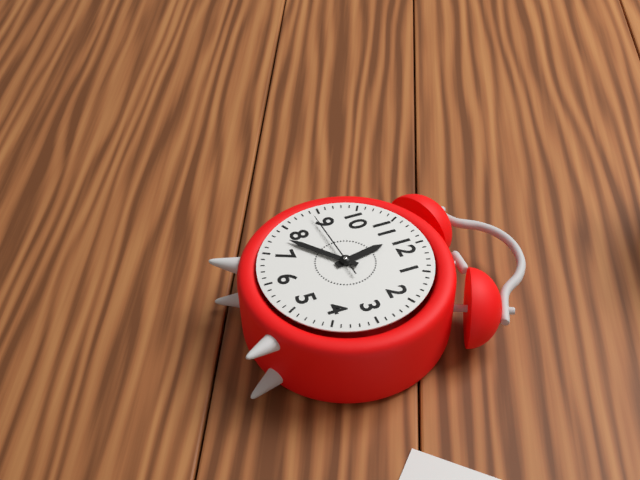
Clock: 11.38.44
